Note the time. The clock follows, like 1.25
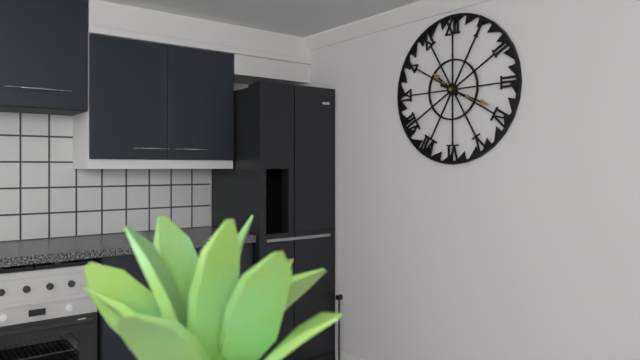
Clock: 10.19
